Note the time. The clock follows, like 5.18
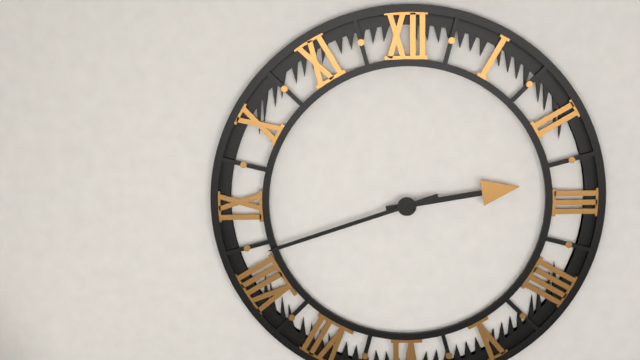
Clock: 2.42
